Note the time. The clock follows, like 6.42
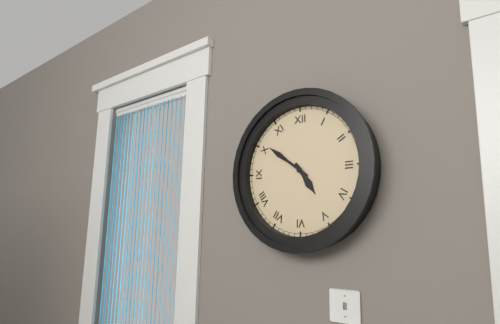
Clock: 4.51
